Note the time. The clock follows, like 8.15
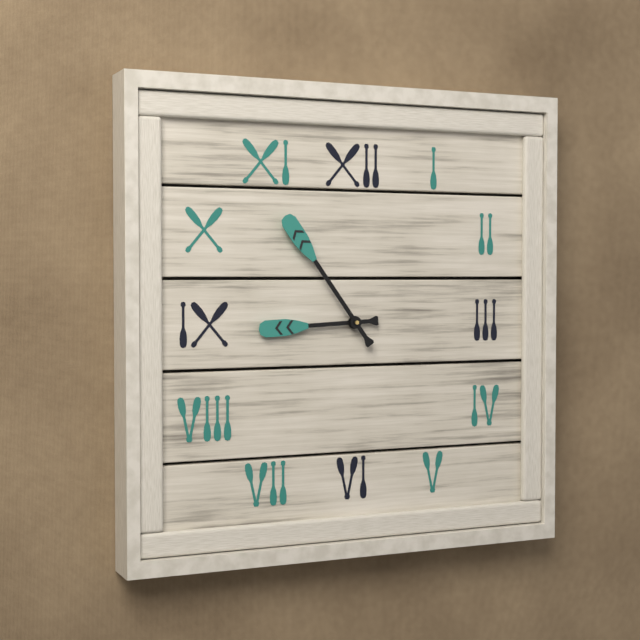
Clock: 8.54
